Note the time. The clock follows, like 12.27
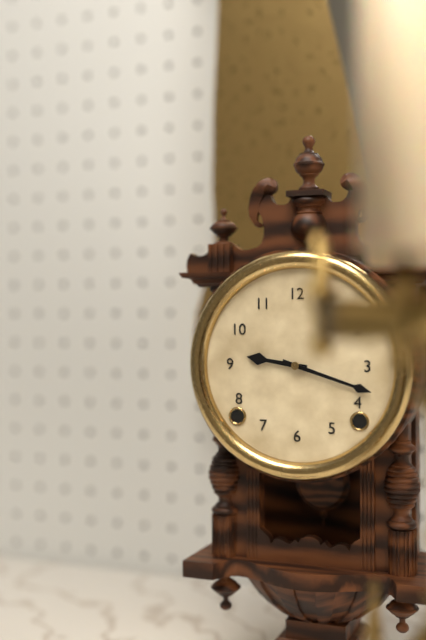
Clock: 9.18
